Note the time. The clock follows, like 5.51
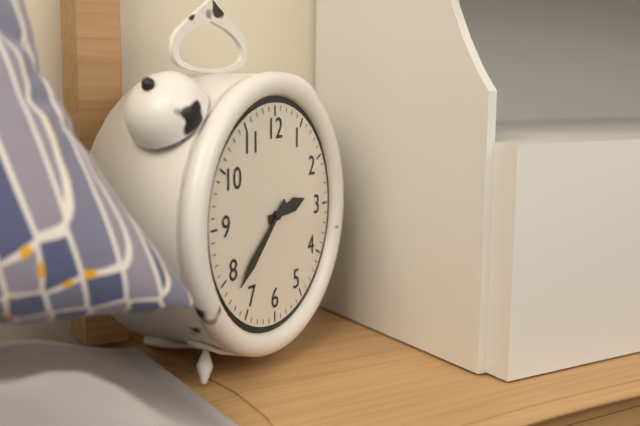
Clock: 2.38
